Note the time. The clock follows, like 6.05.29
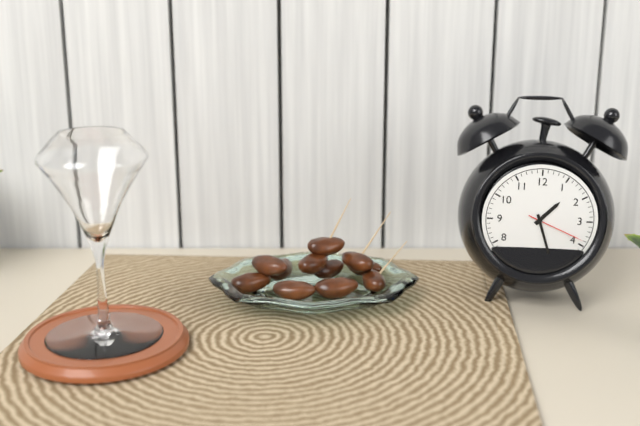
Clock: 1.27.19
